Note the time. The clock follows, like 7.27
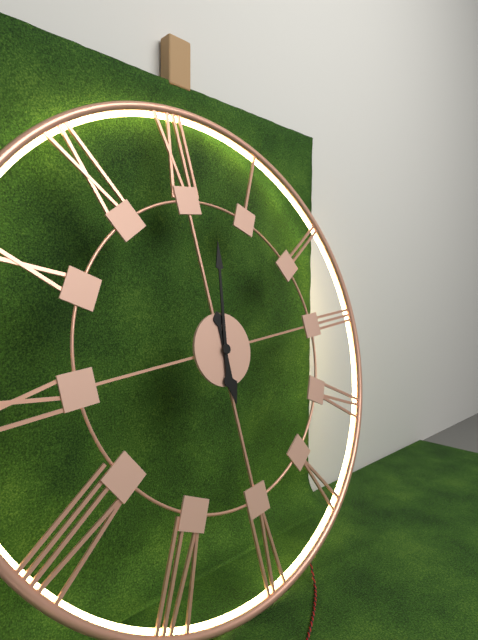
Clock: 6.02
